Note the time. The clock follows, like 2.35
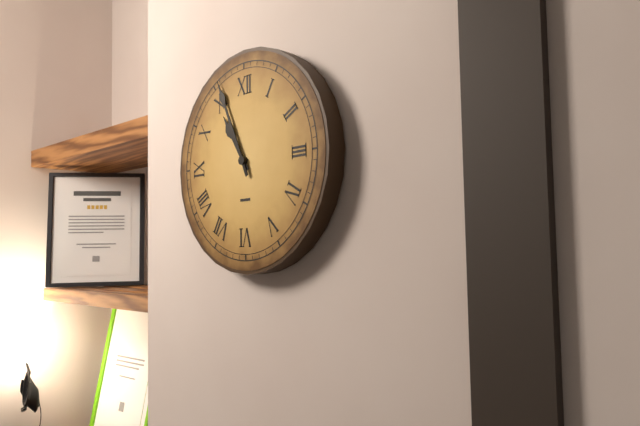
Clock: 10.56
